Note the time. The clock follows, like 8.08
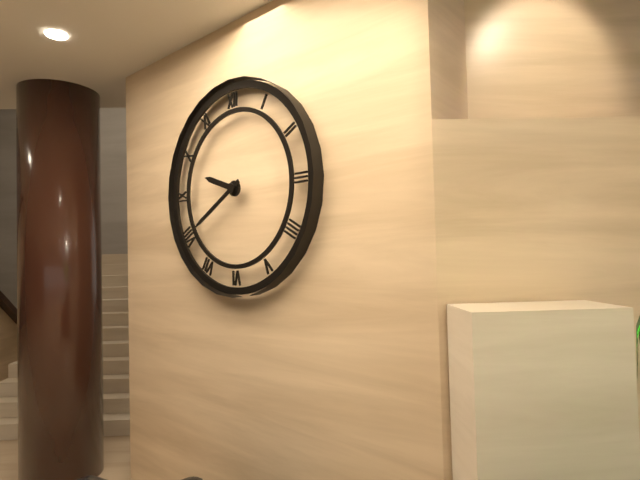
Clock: 9.40
